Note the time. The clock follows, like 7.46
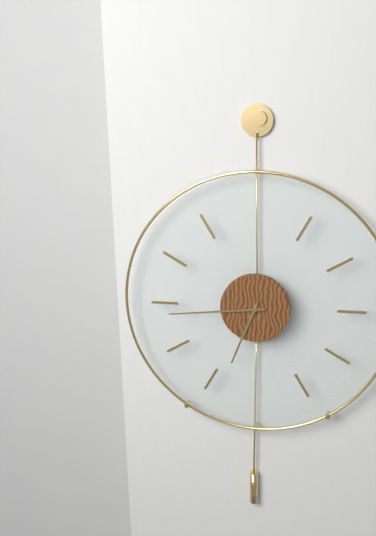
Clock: 6.44
